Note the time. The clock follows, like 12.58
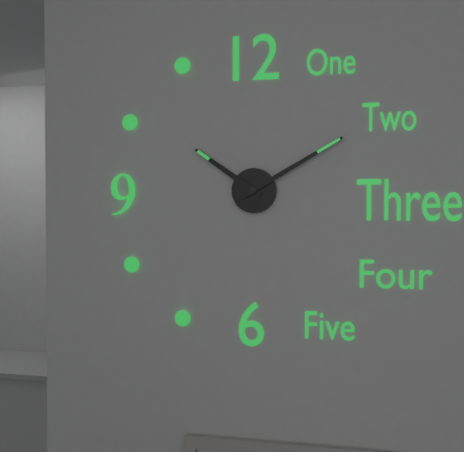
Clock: 10.10
